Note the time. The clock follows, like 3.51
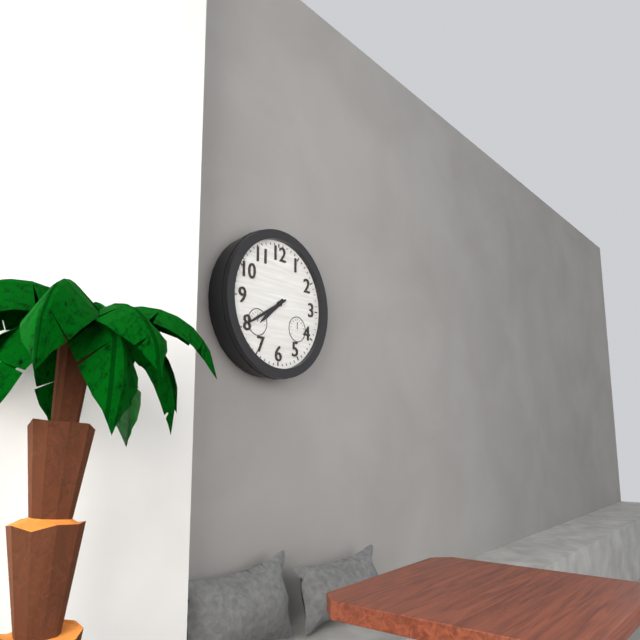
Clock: 7.40
